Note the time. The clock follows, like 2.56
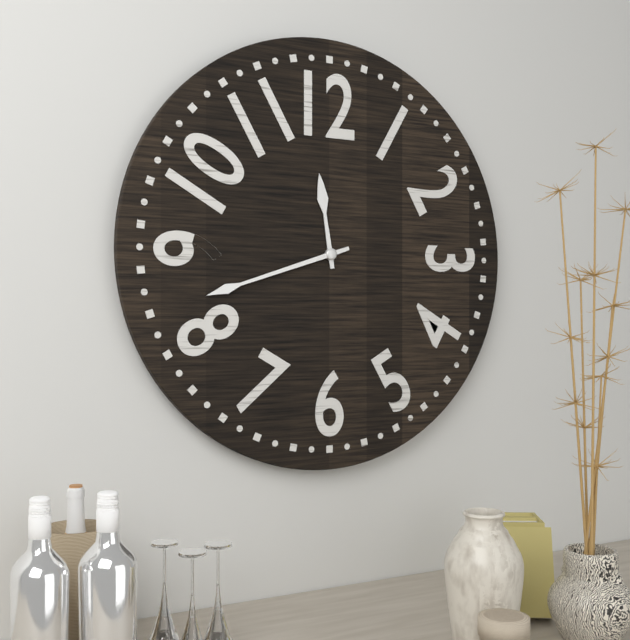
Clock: 11.42
